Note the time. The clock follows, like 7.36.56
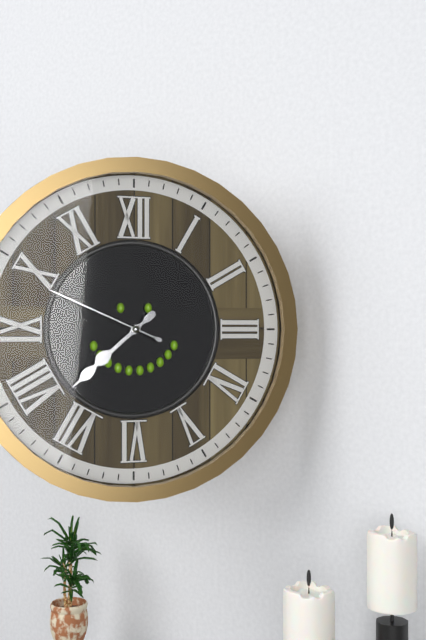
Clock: 7.38.49
